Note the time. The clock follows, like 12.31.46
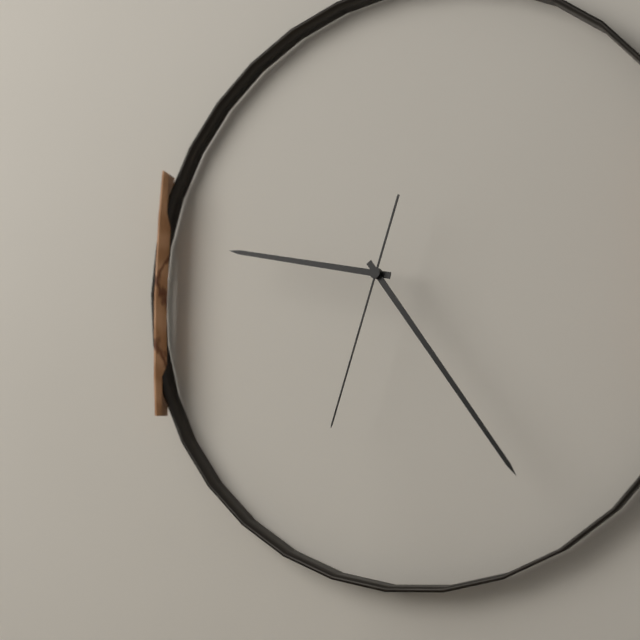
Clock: 9.24.33
